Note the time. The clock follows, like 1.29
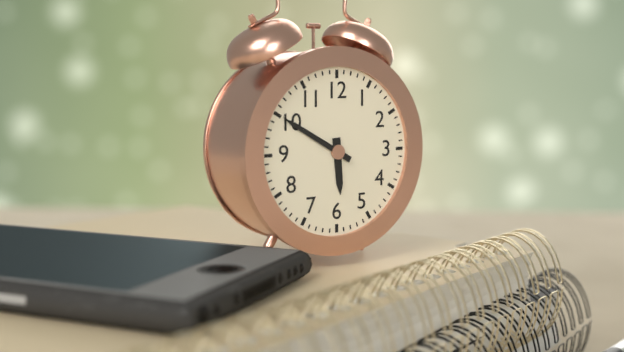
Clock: 5.50
